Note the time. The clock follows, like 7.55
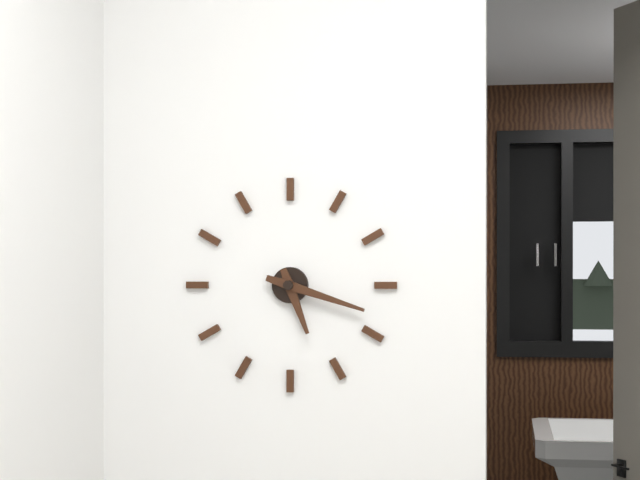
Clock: 5.18
